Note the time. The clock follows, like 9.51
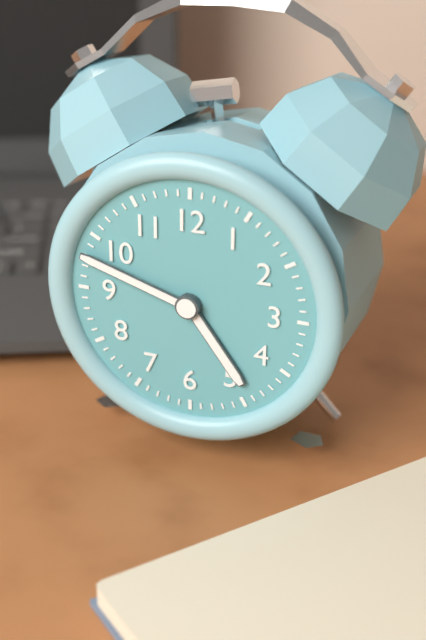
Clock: 4.48
